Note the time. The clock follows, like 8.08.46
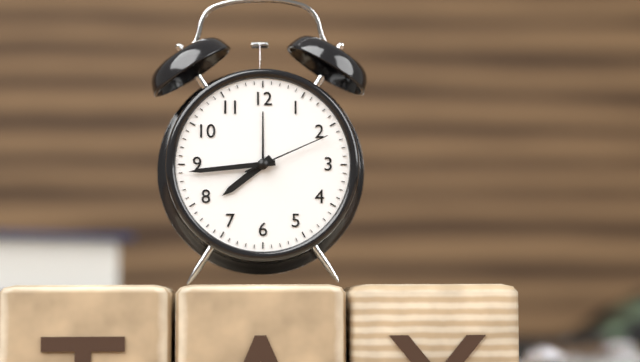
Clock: 7.44.11
